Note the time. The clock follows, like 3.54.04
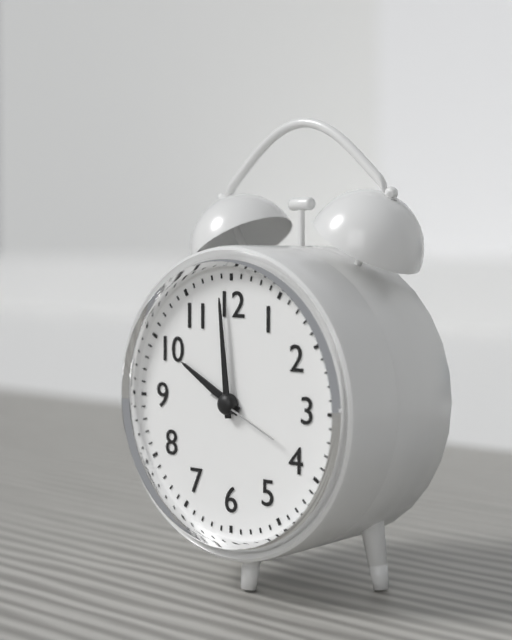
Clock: 9.59.19
